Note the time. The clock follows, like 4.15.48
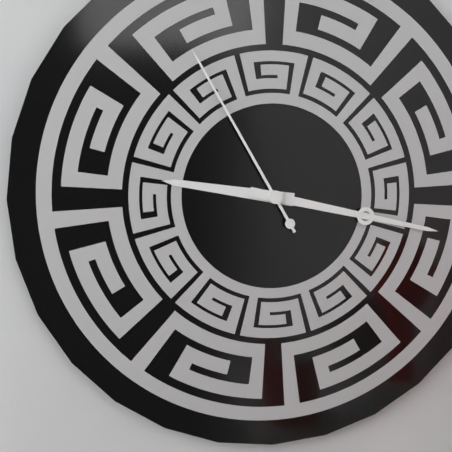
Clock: 9.17.55
